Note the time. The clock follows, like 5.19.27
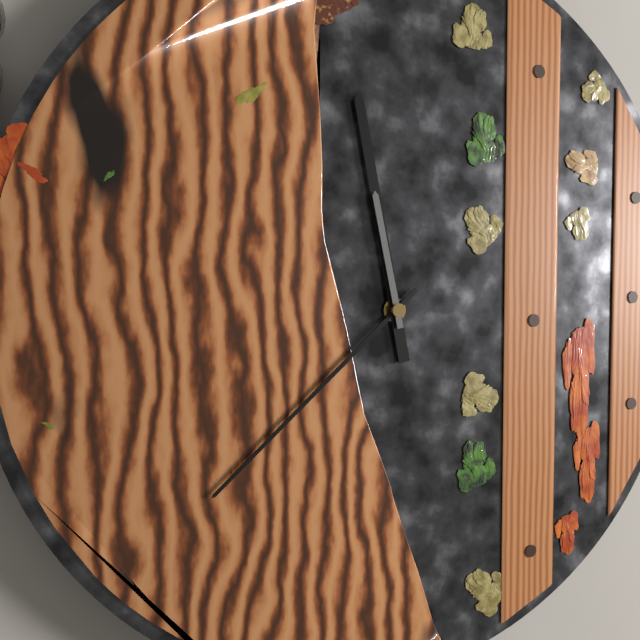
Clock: 11.38.58
